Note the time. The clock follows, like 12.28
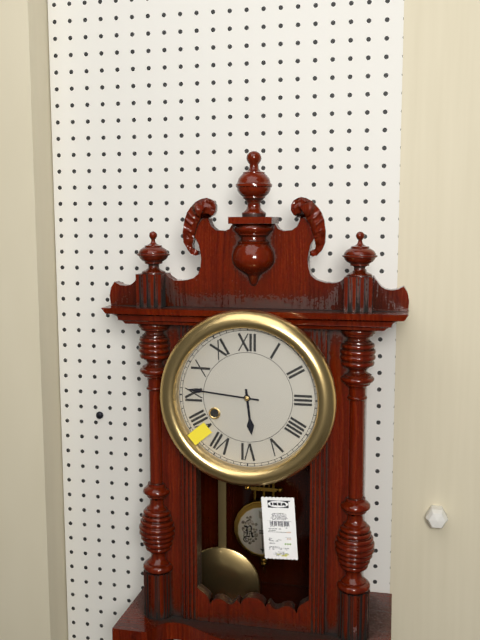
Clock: 5.46
